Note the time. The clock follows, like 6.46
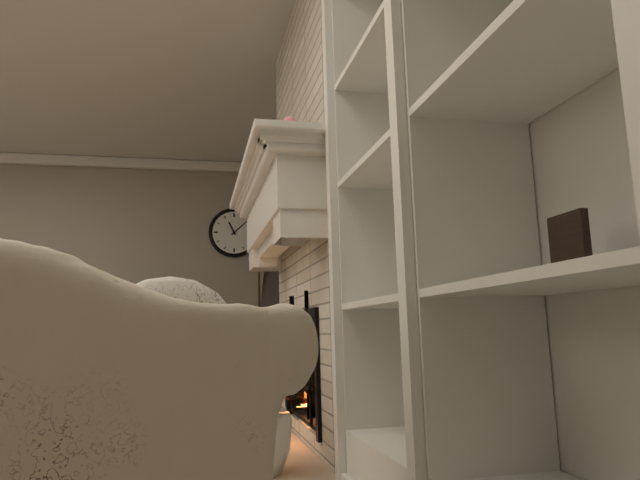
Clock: 11.08
